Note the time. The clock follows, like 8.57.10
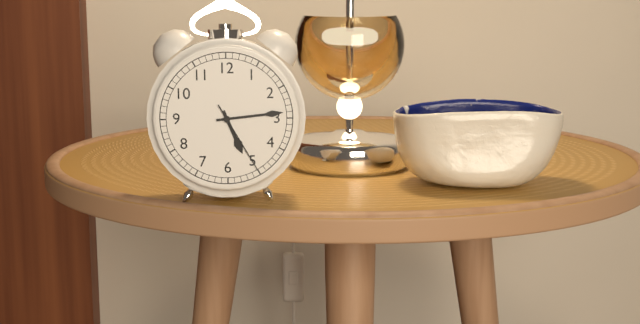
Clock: 5.14.25
